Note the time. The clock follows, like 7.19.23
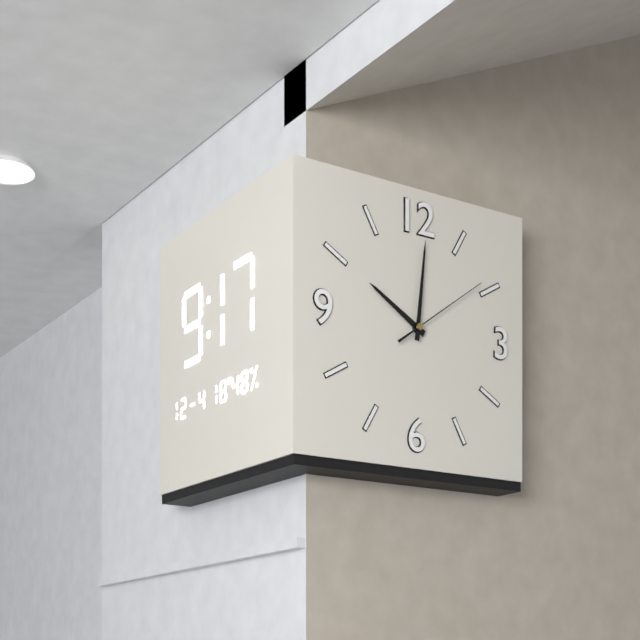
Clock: 10.01.09
